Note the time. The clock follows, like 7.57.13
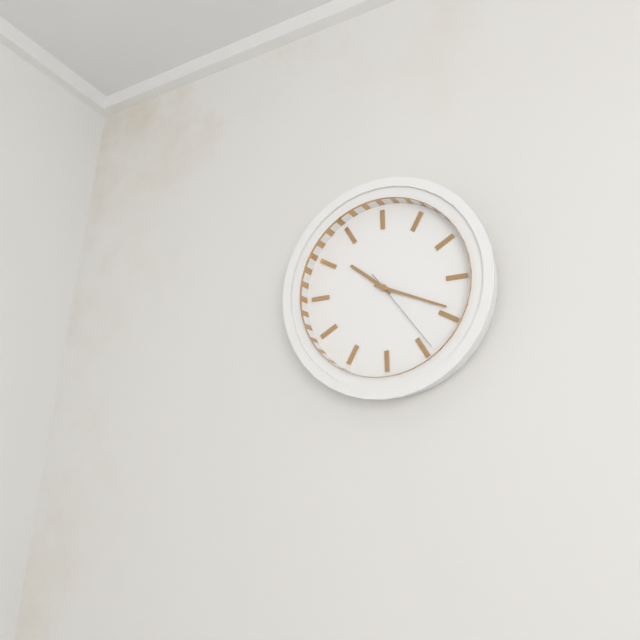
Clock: 10.19.24
